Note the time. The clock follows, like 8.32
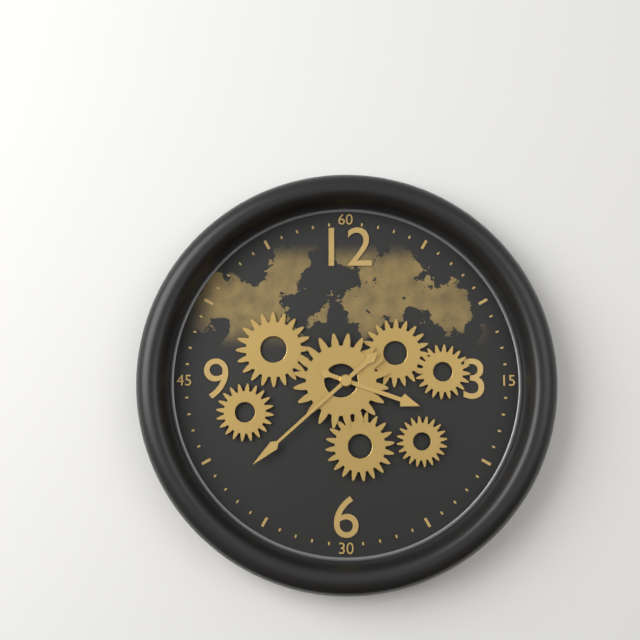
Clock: 3.38
